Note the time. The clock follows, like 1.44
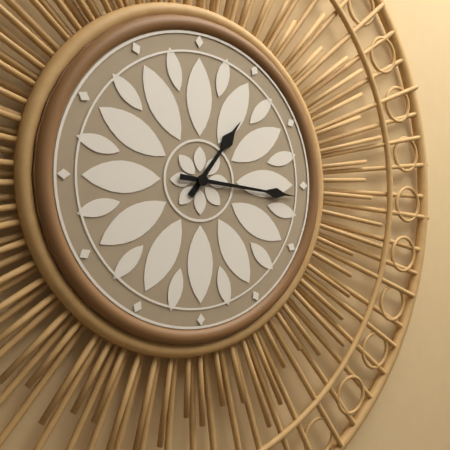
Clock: 1.16
